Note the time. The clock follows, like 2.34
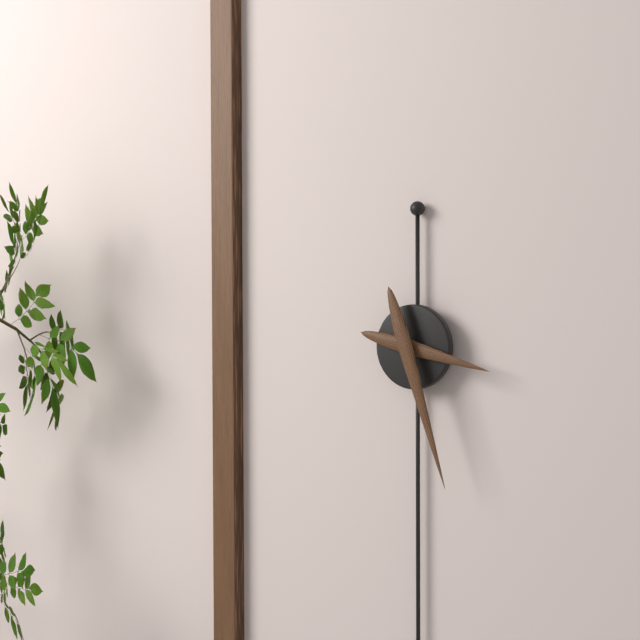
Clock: 3.27
